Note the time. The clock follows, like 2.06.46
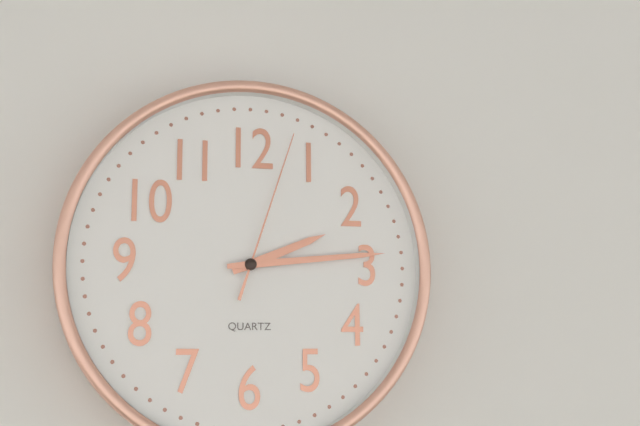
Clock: 2.14.03
